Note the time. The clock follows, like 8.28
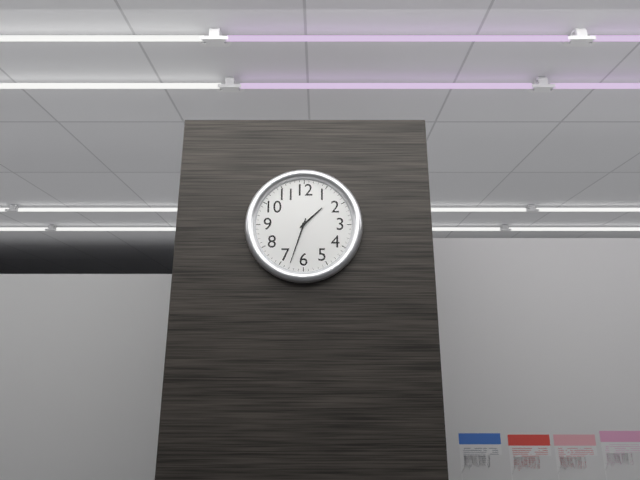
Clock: 1.33
